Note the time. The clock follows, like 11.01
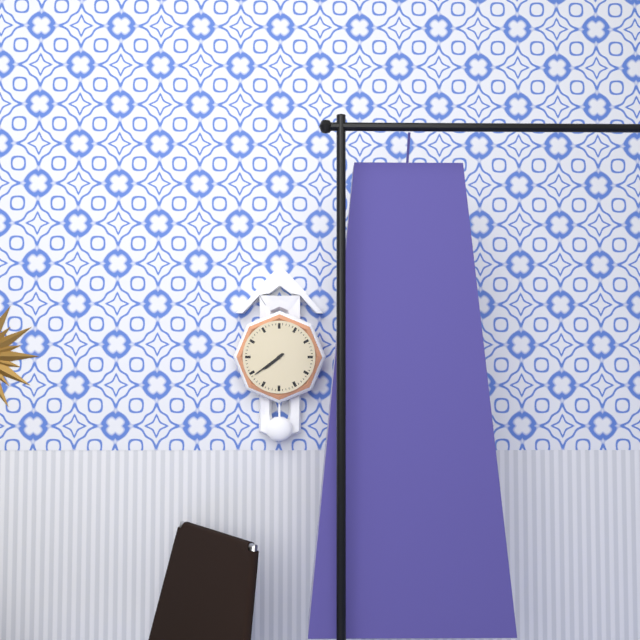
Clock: 7.39
